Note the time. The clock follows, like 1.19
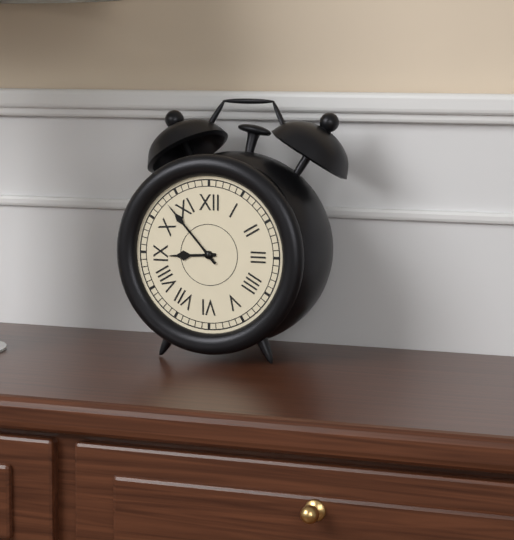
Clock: 8.53
